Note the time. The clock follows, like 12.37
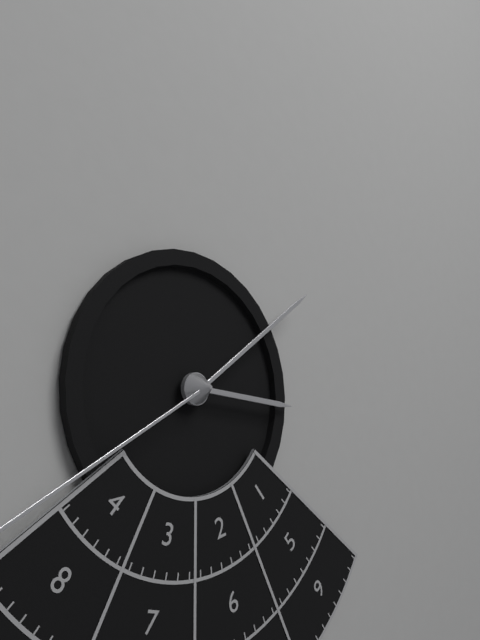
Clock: 3.09
